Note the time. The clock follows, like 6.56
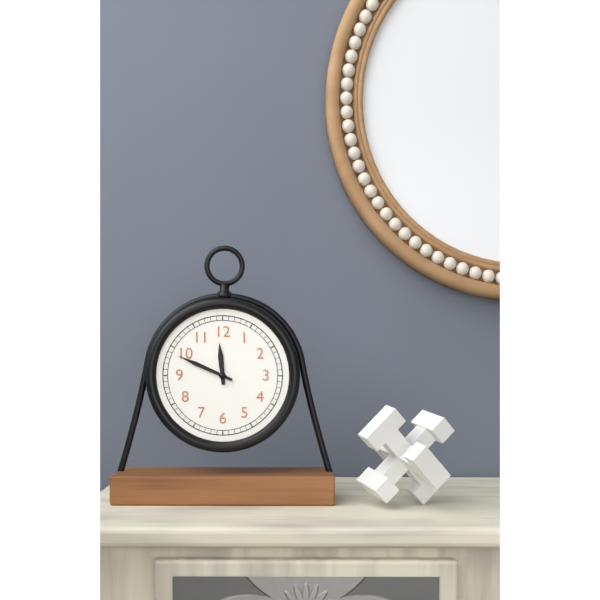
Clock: 11.49
